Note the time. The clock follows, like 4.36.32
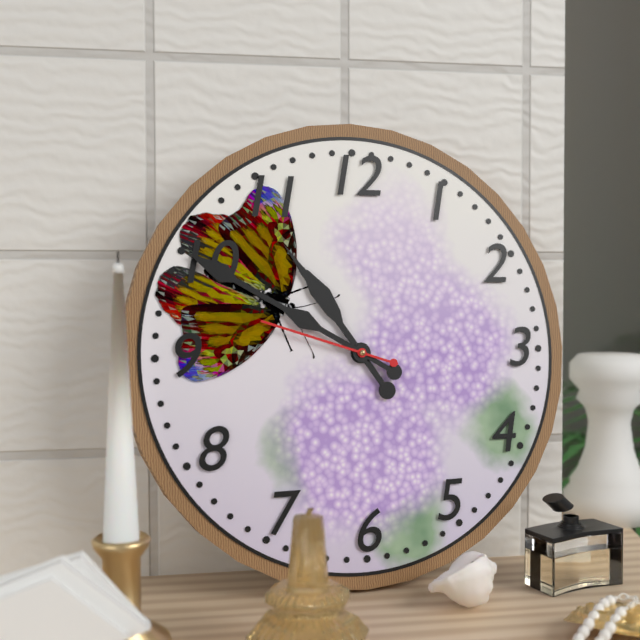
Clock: 10.50.48
